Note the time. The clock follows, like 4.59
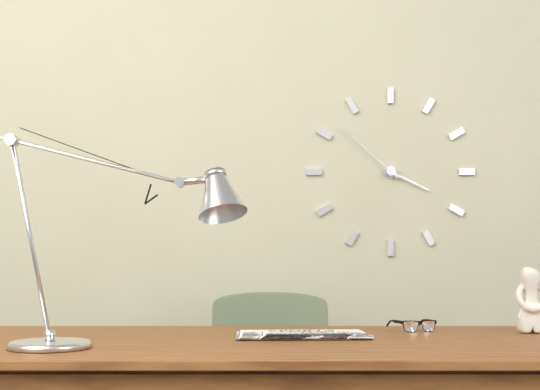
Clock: 3.52
